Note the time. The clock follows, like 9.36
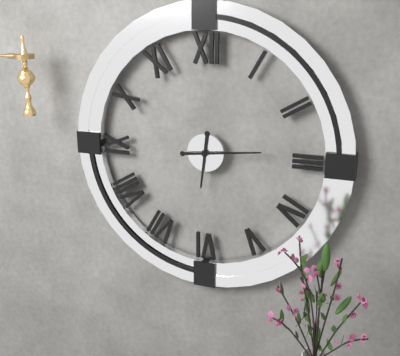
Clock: 6.14
